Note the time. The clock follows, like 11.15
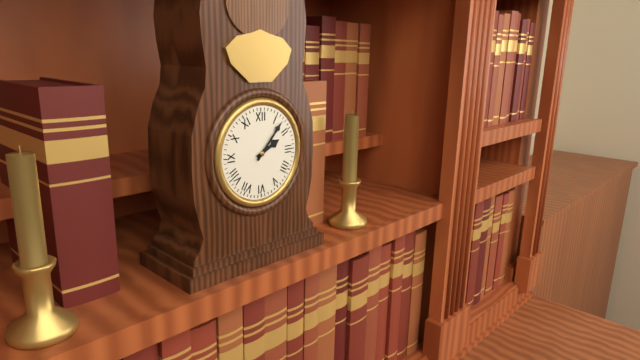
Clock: 2.07
